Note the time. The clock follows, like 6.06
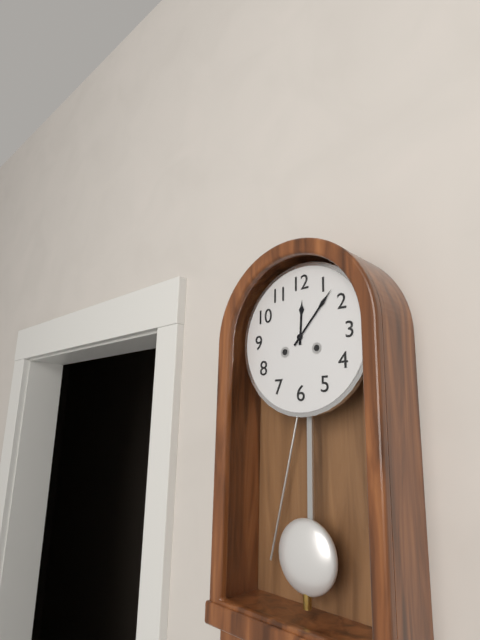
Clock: 12.07
